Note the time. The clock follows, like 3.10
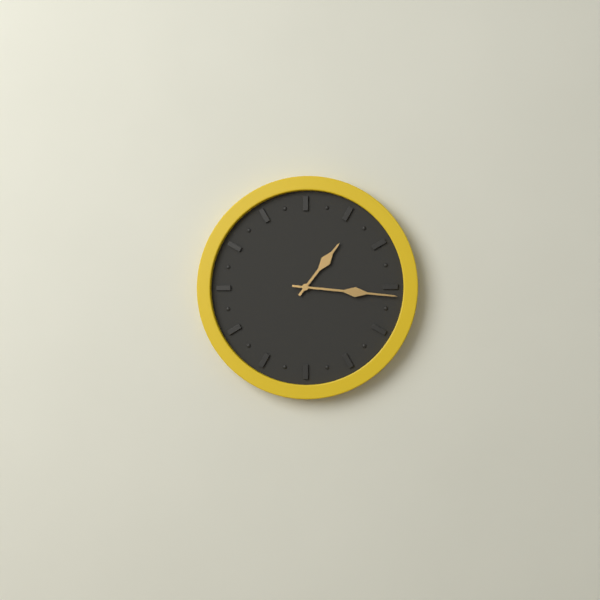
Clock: 1.16
